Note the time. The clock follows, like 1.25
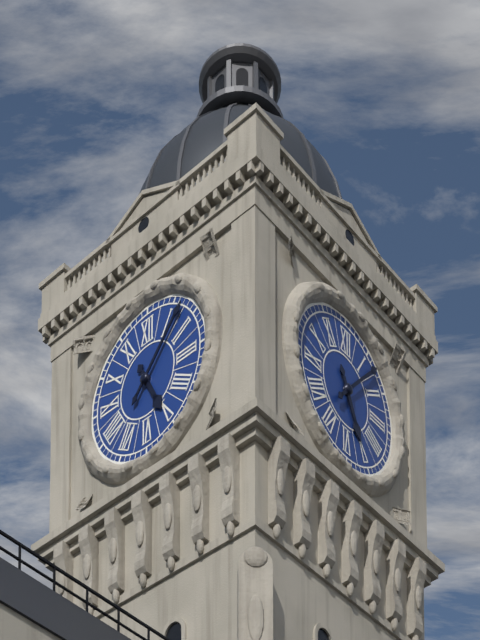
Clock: 5.07
